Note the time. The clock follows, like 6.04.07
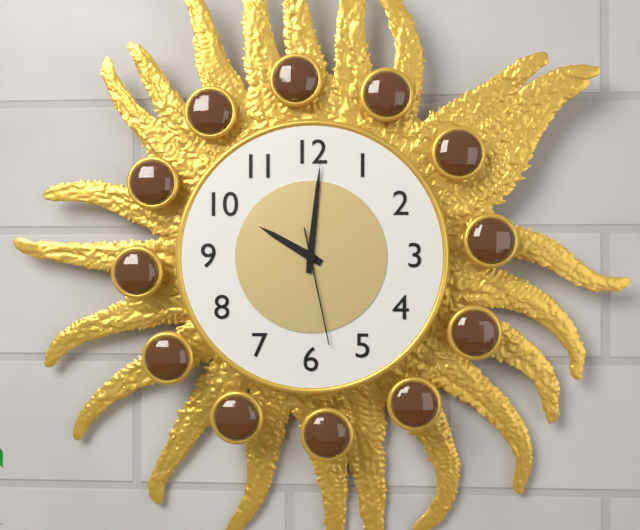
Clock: 10.01.28
